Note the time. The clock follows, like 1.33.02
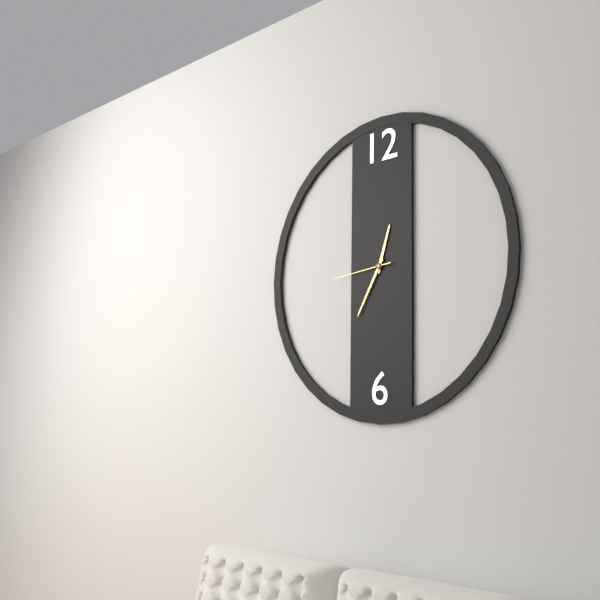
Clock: 12.35.44
